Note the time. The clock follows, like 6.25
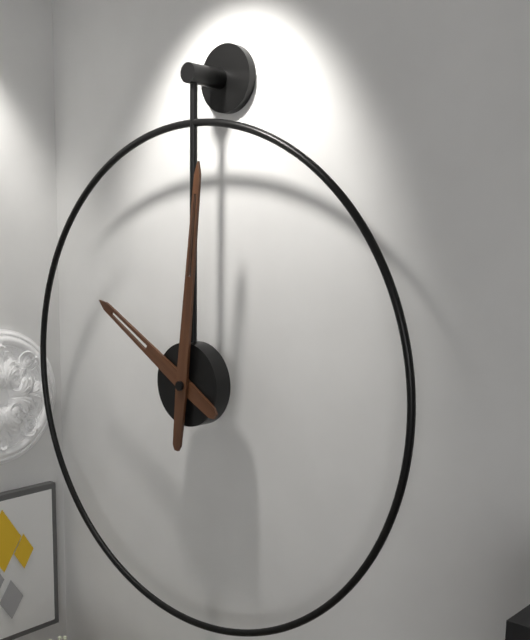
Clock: 10.01
